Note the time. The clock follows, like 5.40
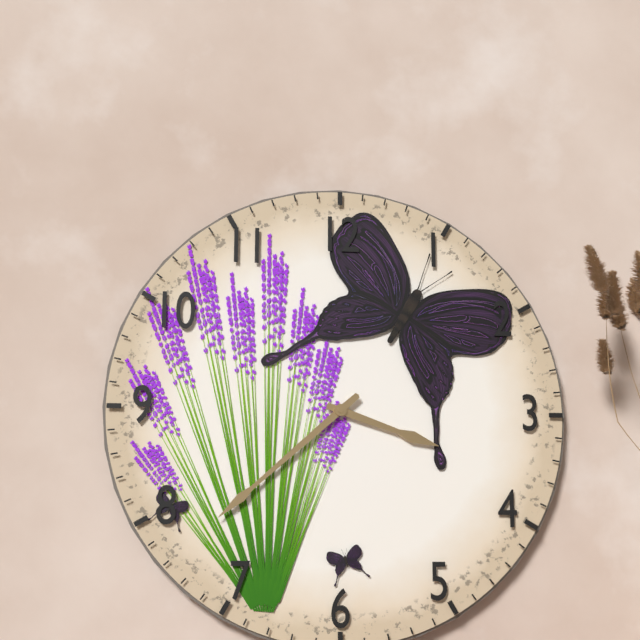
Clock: 3.38
